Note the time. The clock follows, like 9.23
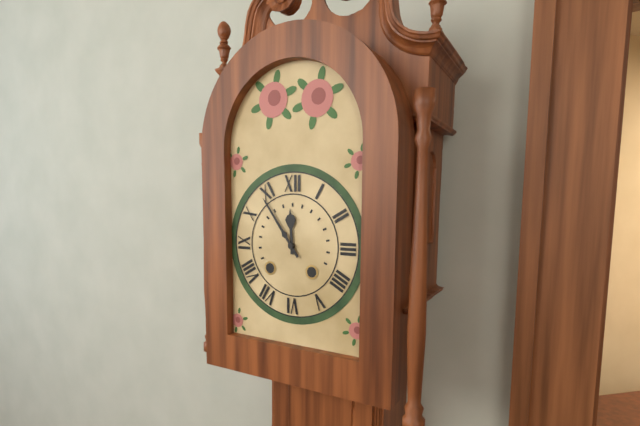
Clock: 11.54
